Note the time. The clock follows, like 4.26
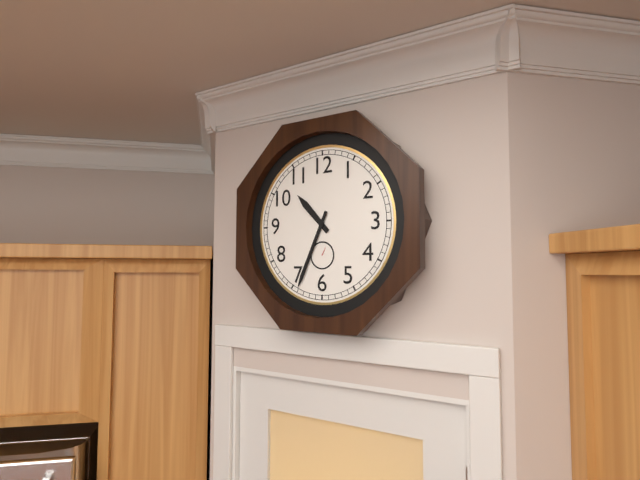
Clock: 10.34
